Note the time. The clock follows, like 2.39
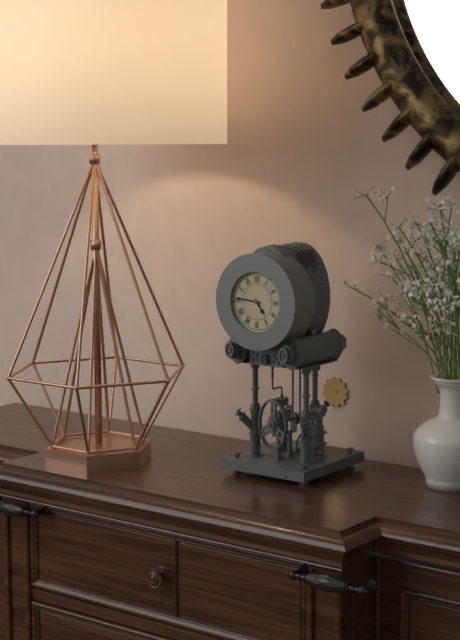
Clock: 4.46
